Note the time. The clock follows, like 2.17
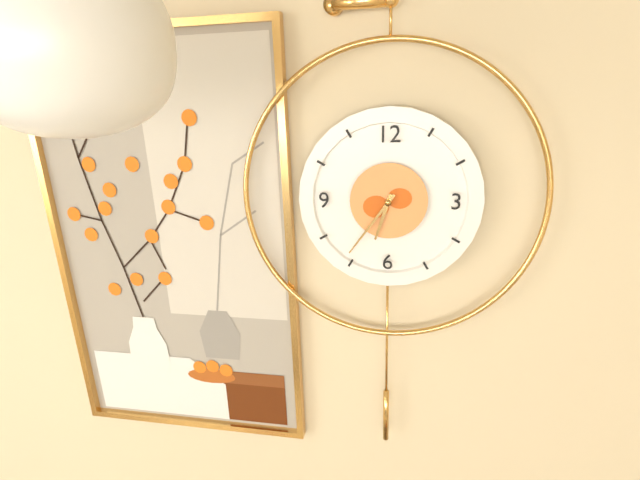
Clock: 6.36
